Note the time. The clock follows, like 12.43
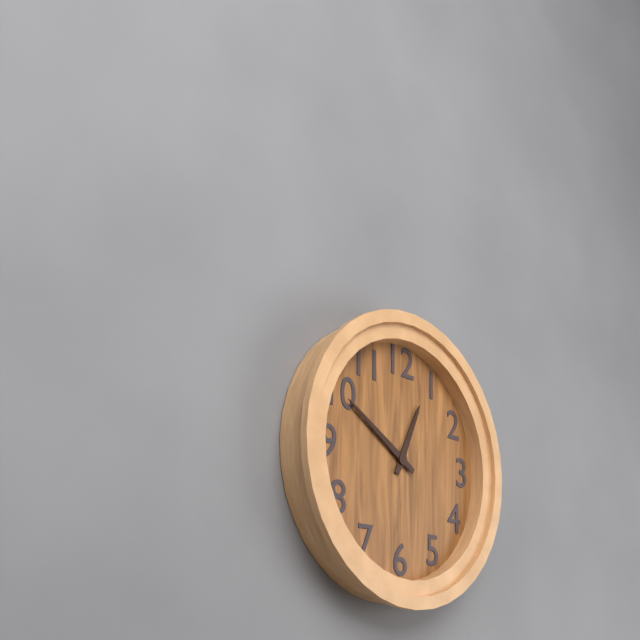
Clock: 12.50
